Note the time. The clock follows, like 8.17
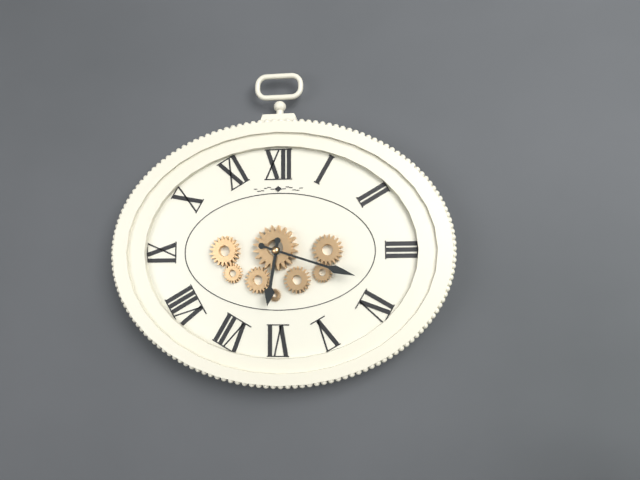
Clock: 6.18
